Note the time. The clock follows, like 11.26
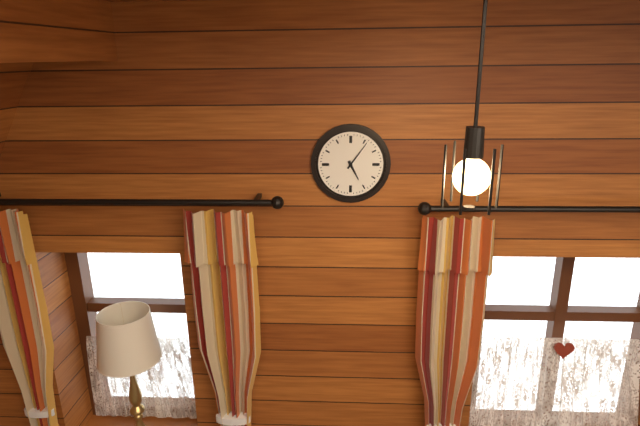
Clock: 5.06
